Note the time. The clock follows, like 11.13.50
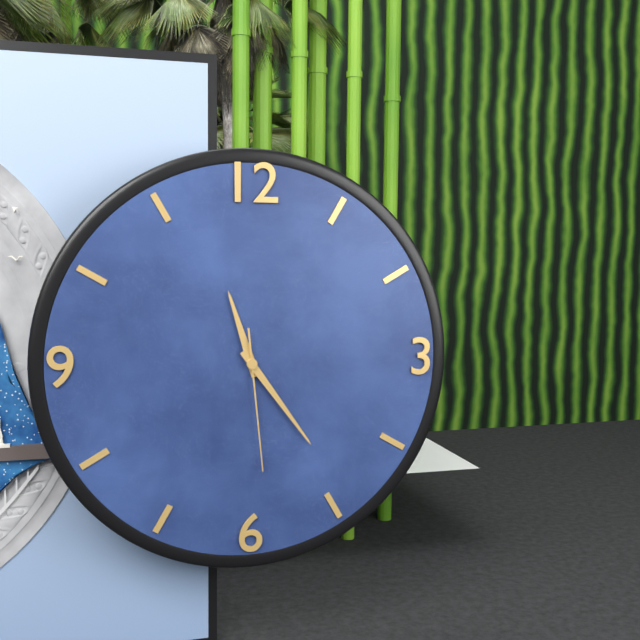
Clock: 11.24.29
